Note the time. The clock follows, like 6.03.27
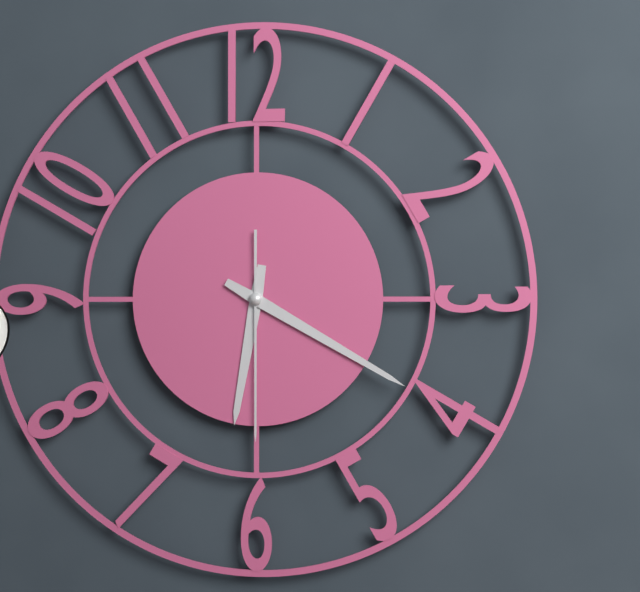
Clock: 6.20.30
